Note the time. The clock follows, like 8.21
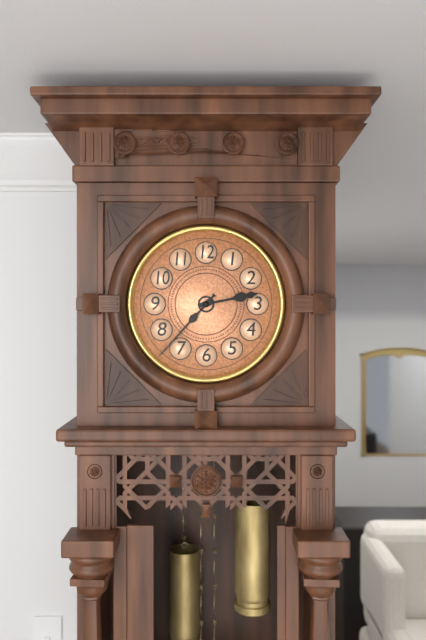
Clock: 2.37
